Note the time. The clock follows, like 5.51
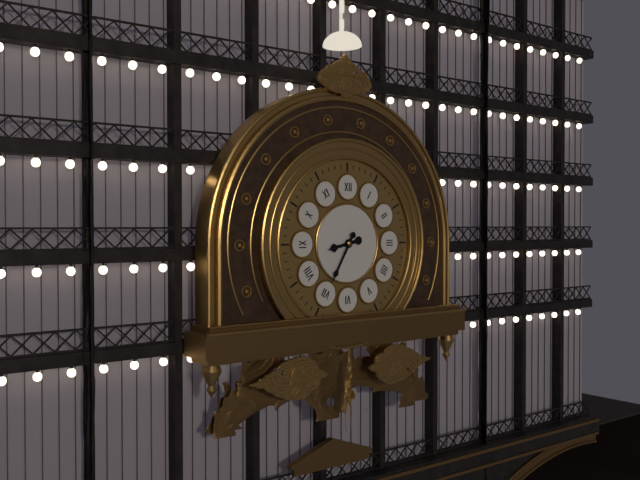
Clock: 8.35
